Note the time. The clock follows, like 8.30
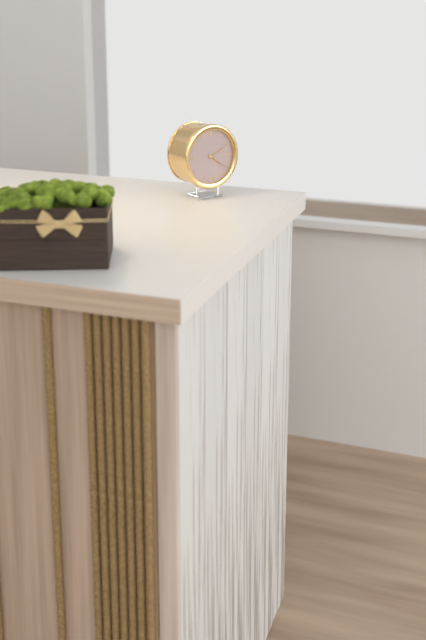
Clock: 4.11
